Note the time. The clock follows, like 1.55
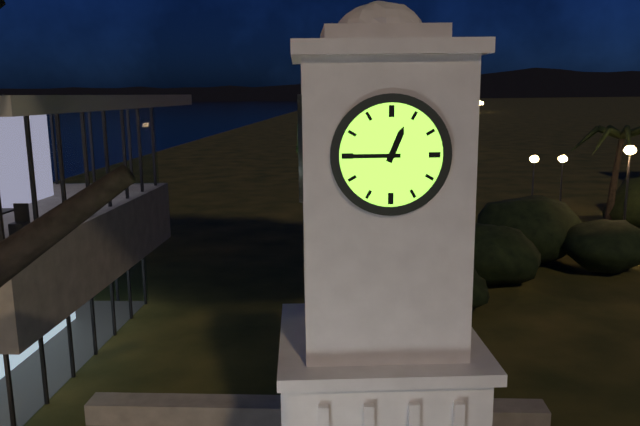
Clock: 12.45
